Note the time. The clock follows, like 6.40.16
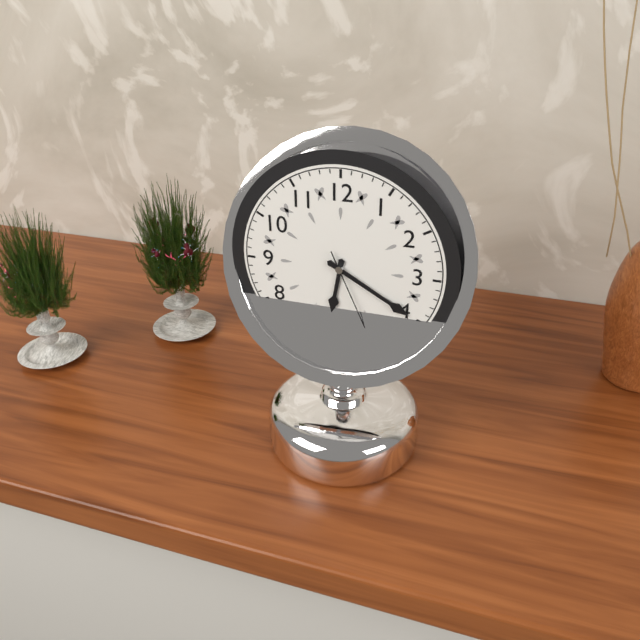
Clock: 6.20.26
